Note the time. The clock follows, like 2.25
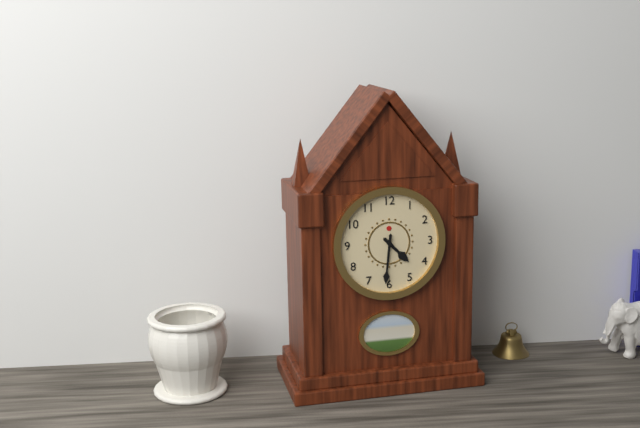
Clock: 4.31
